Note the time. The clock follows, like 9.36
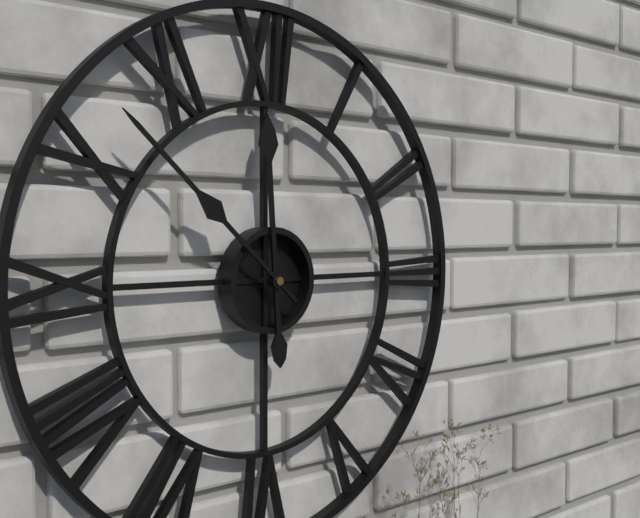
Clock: 11.52
